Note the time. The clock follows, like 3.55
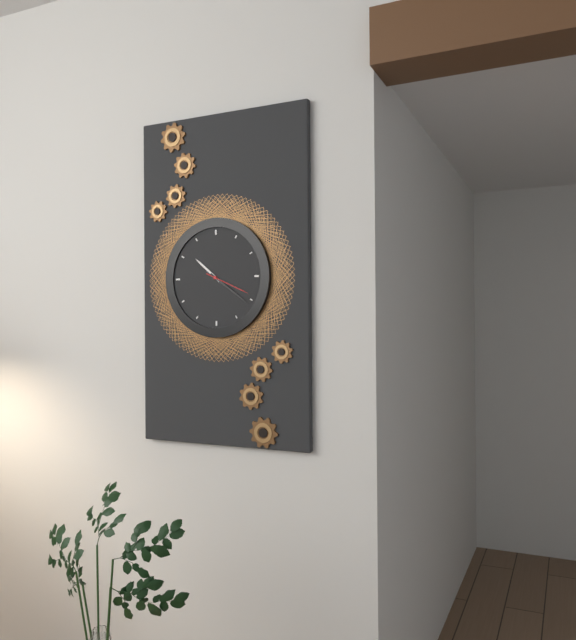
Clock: 10.21
